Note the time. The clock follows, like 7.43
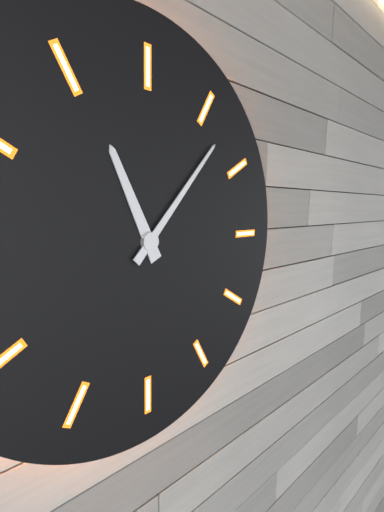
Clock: 11.07
